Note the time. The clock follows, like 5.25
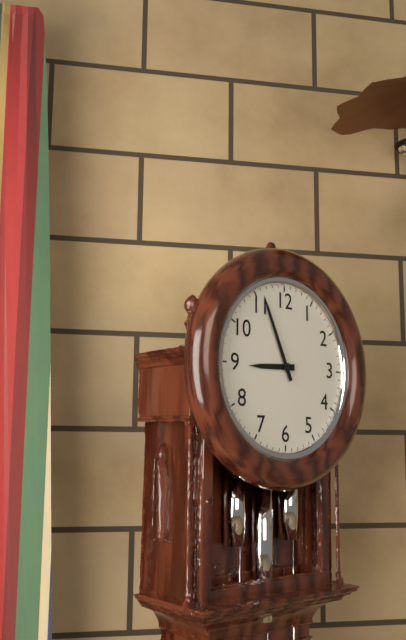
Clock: 8.56
